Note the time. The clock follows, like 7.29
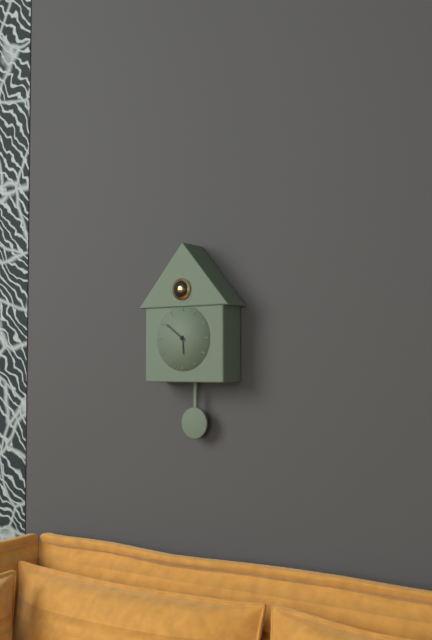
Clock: 5.51
